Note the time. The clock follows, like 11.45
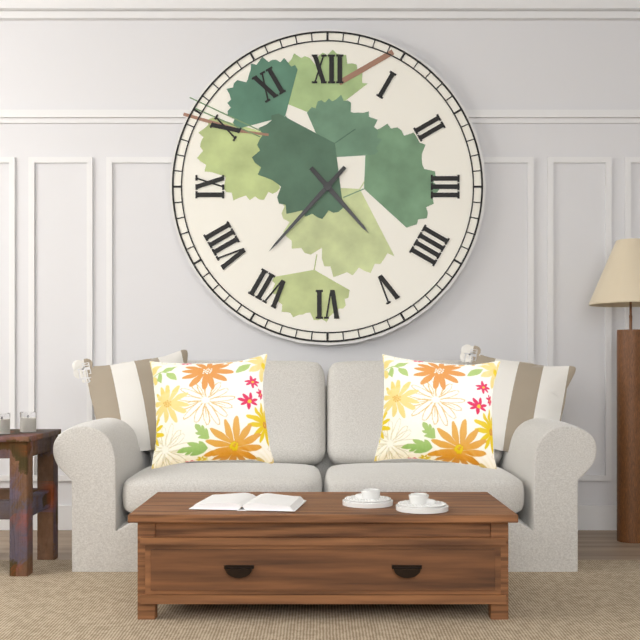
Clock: 4.37
